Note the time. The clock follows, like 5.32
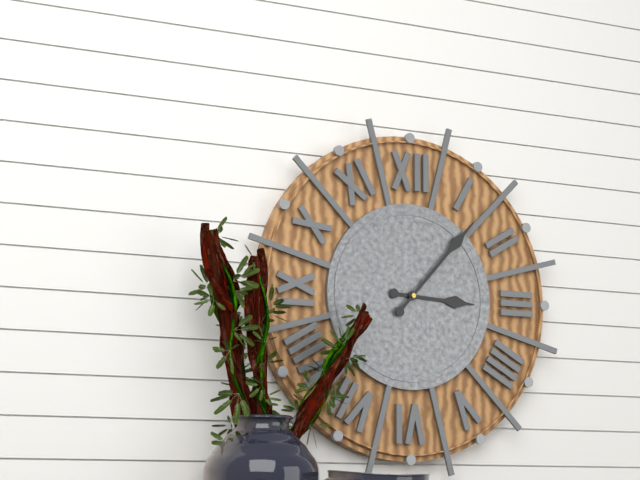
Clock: 3.07
